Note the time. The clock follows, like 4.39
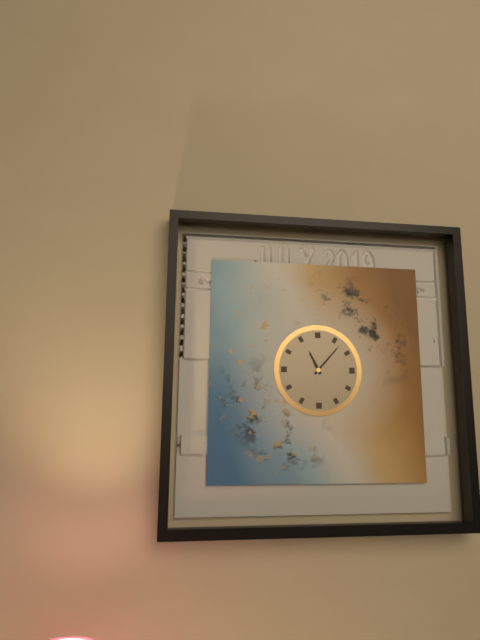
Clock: 11.07
